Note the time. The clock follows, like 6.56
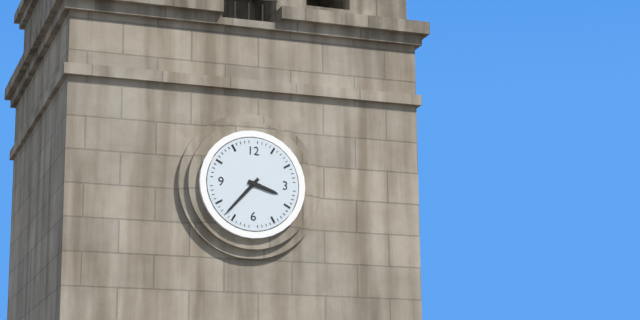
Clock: 3.37
